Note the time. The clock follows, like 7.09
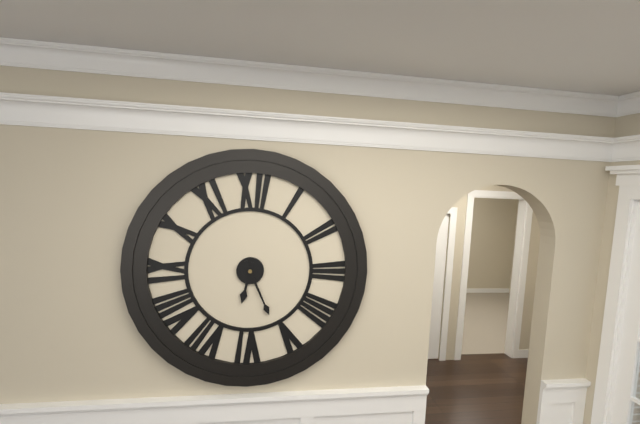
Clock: 6.26
